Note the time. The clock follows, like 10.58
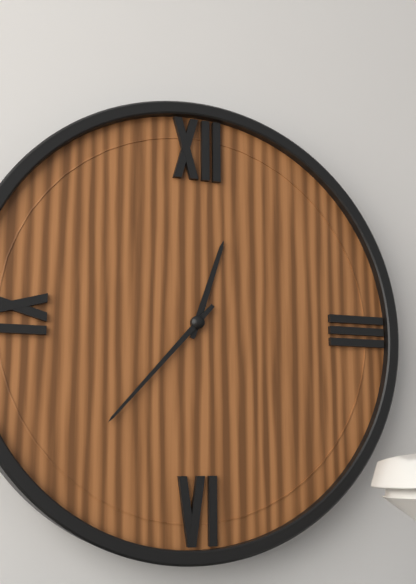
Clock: 12.37
